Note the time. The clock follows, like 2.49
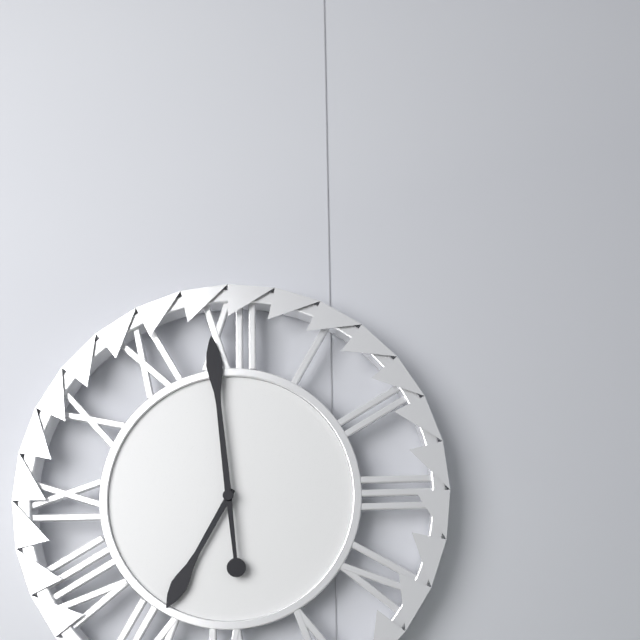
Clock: 6.59
